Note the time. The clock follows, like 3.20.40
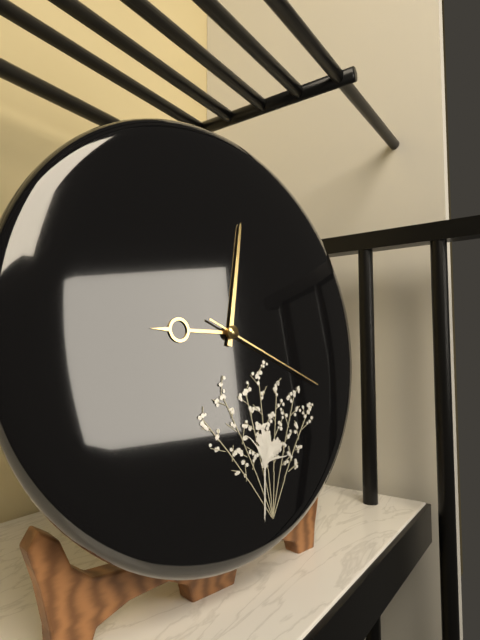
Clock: 9.02.19
